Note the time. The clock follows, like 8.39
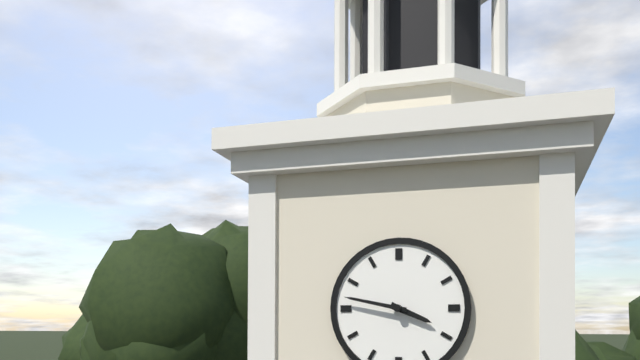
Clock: 3.47
